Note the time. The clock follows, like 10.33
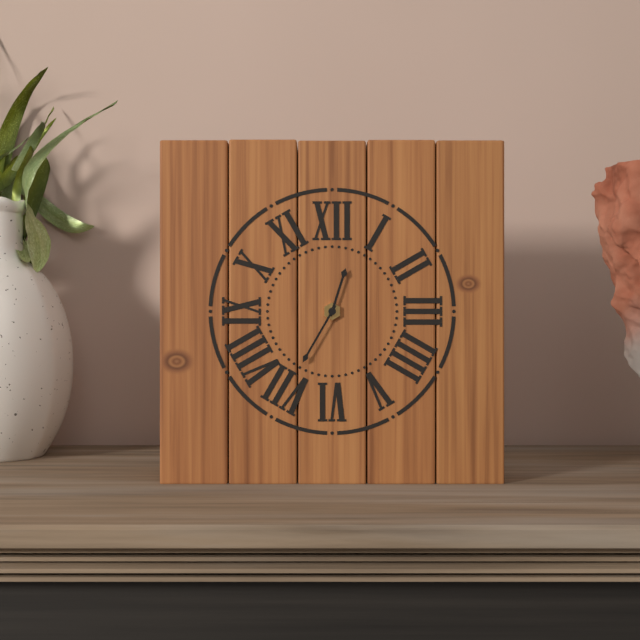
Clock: 12.35
